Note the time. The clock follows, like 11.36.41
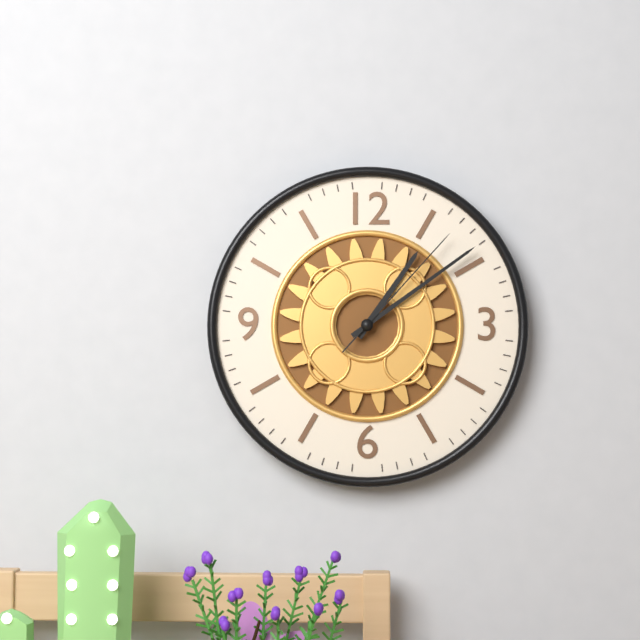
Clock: 1.09.07
